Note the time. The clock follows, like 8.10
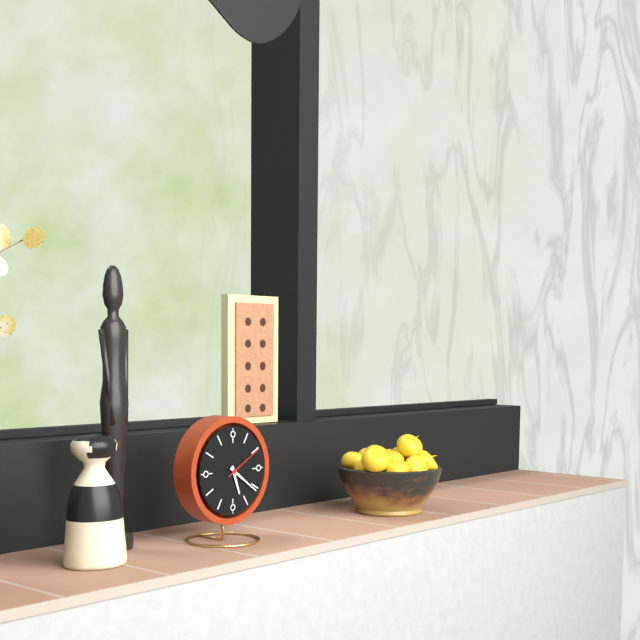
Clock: 5.21
